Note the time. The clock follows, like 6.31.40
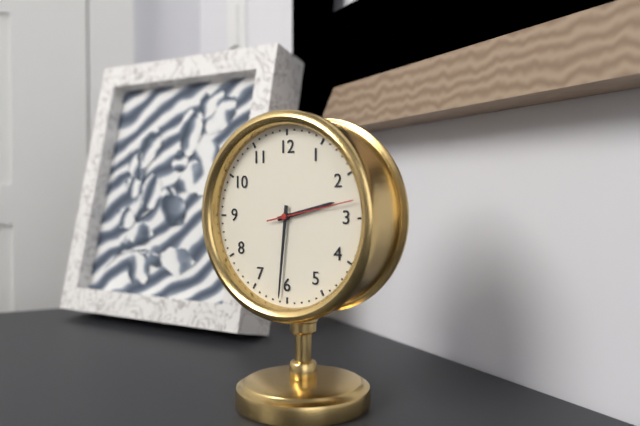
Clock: 2.31.13
